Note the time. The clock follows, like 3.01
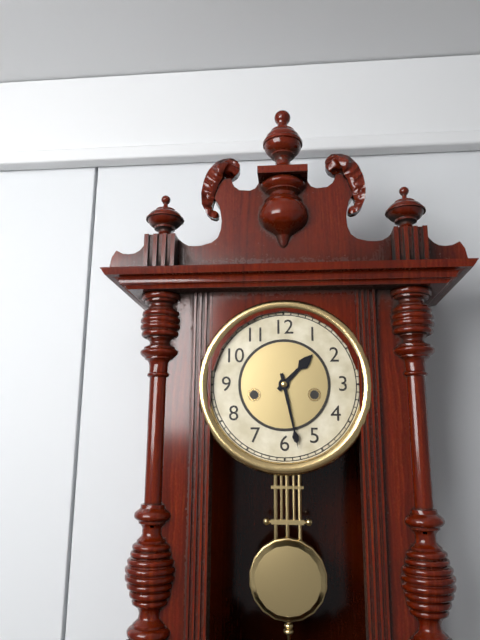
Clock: 1.28
